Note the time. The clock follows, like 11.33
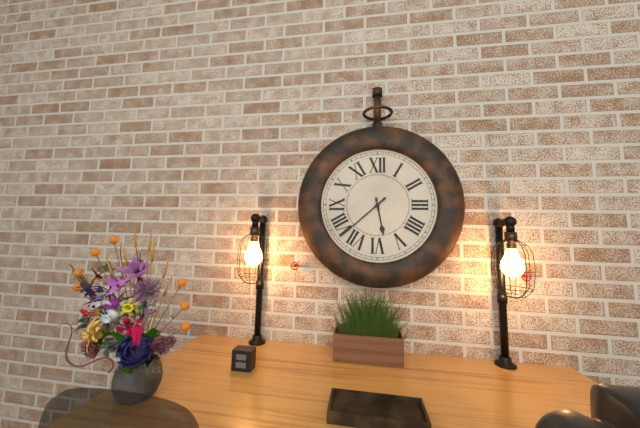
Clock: 5.38
